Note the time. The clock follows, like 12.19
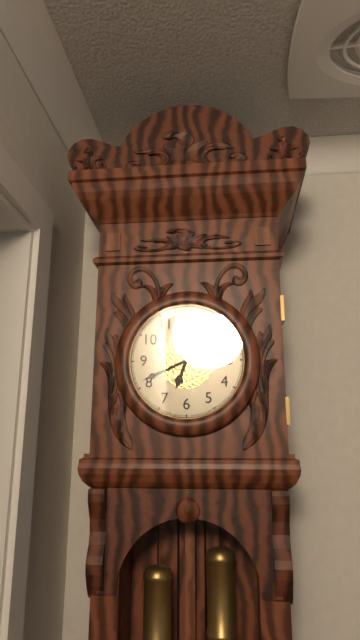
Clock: 6.41
